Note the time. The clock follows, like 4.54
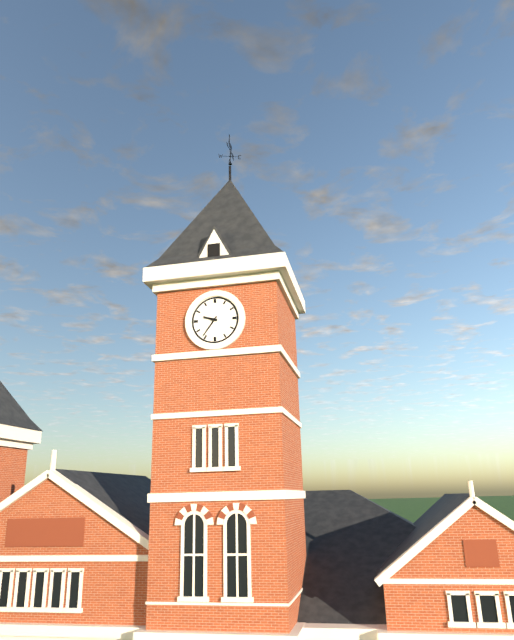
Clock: 9.36
